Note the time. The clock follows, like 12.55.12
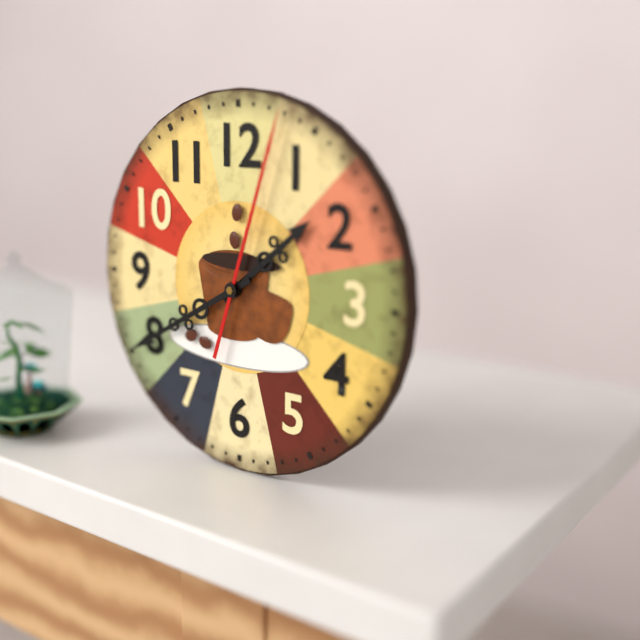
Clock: 1.40.03
